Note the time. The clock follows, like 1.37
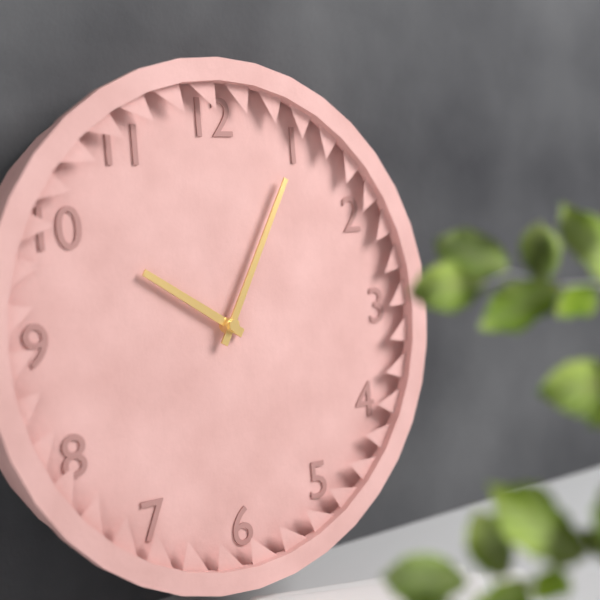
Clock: 10.05
